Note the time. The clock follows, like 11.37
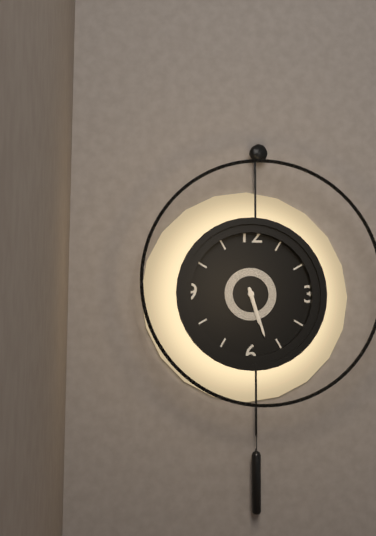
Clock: 5.27
